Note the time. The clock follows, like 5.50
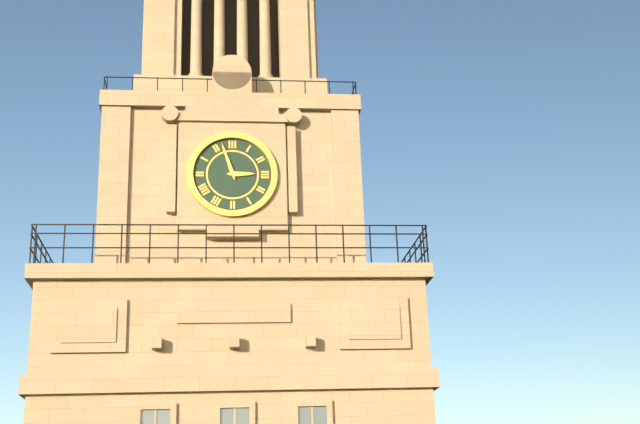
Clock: 2.57
